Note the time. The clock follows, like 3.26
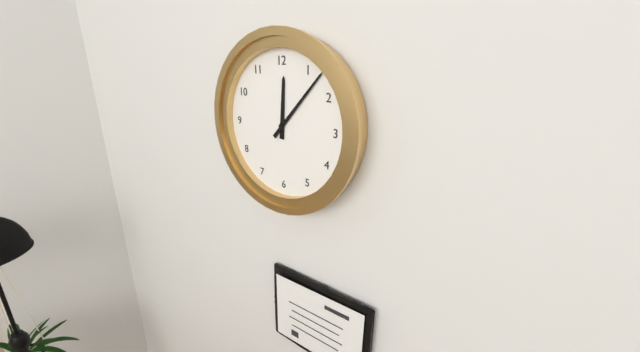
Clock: 12.07
